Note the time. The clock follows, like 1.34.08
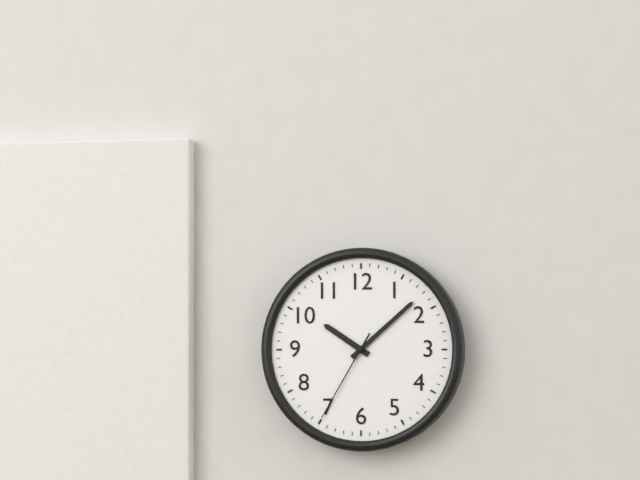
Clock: 10.08.35
